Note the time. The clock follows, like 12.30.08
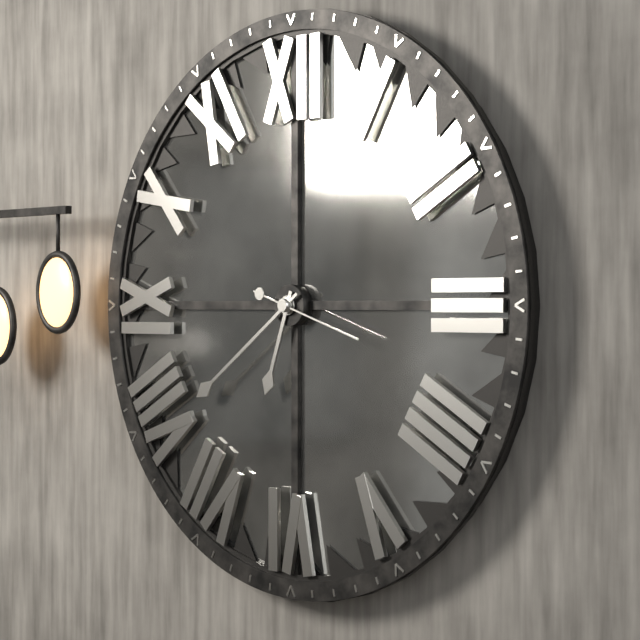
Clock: 6.39.18
